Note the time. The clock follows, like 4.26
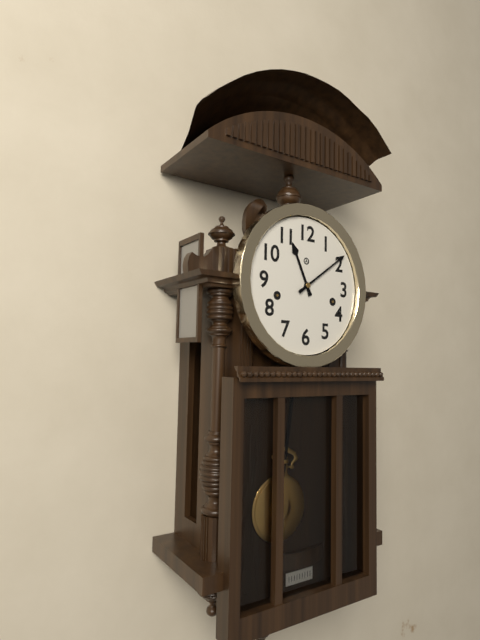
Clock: 11.09
